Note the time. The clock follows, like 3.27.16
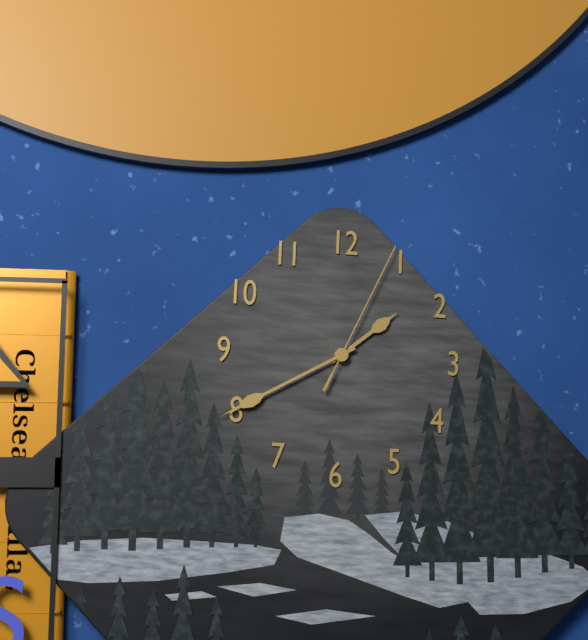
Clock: 1.40.04
